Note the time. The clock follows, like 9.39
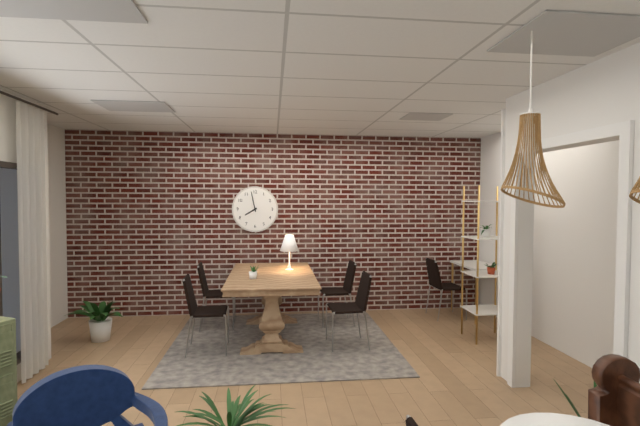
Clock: 7.58
